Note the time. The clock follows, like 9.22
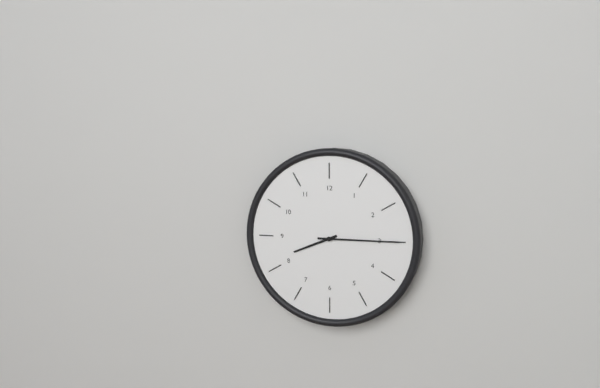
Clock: 8.15
